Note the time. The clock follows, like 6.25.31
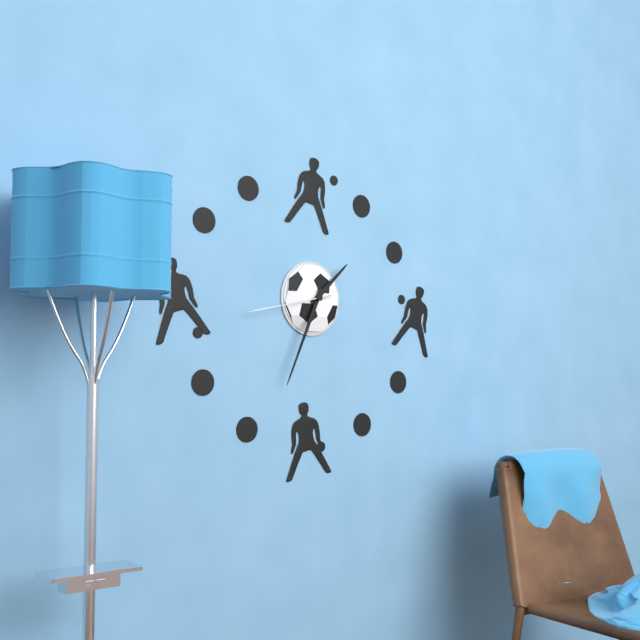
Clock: 1.34.43
